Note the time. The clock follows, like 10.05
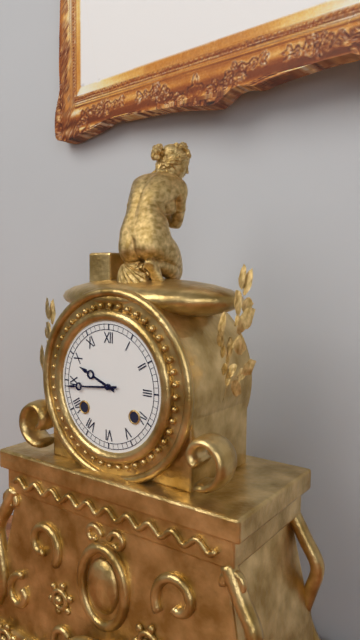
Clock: 9.44
